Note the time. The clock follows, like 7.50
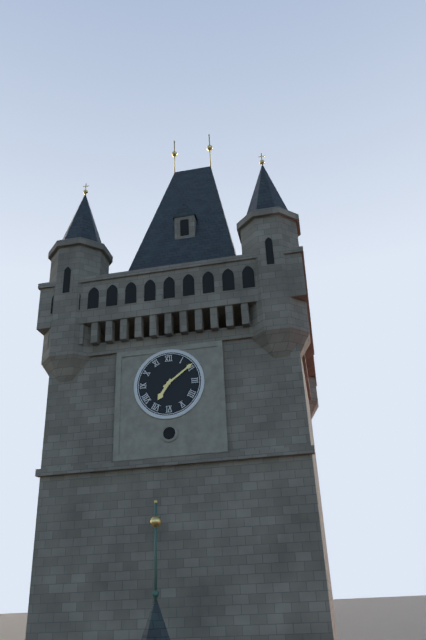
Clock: 7.09
